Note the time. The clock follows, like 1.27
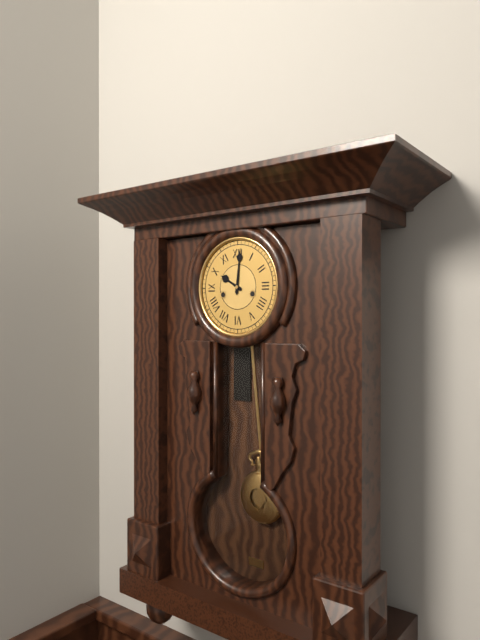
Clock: 10.01
